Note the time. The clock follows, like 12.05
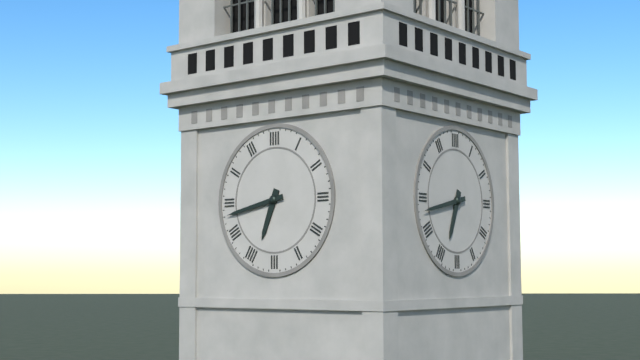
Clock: 6.43
